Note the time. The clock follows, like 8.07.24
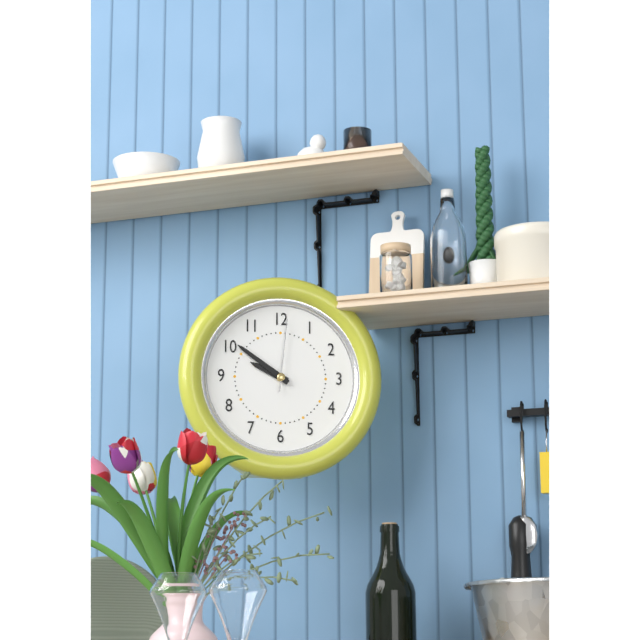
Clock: 9.51.01
